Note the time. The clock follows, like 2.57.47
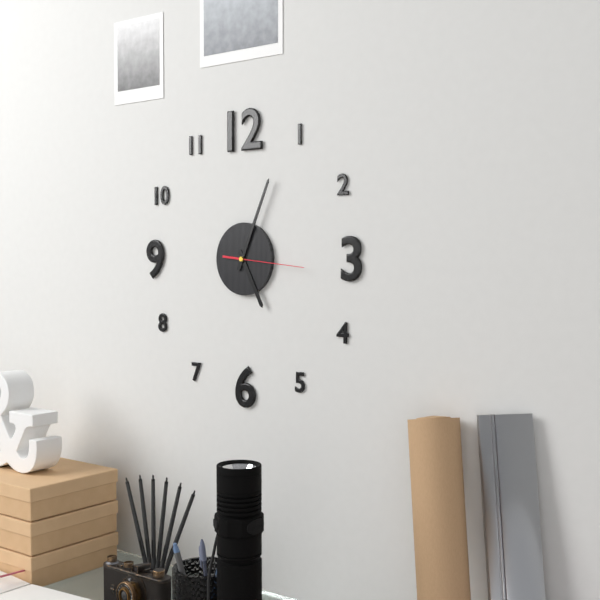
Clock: 5.04.16
